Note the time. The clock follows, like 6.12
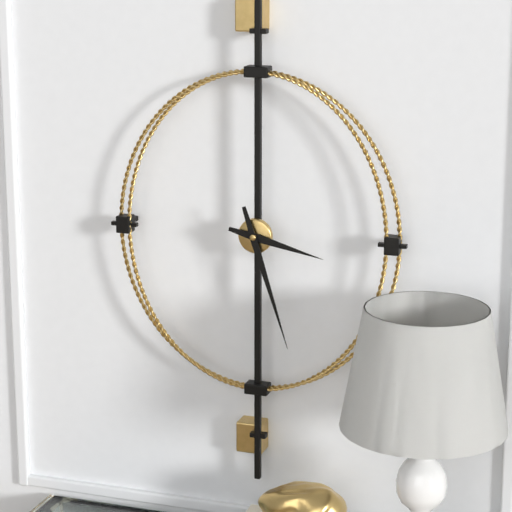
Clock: 3.27
